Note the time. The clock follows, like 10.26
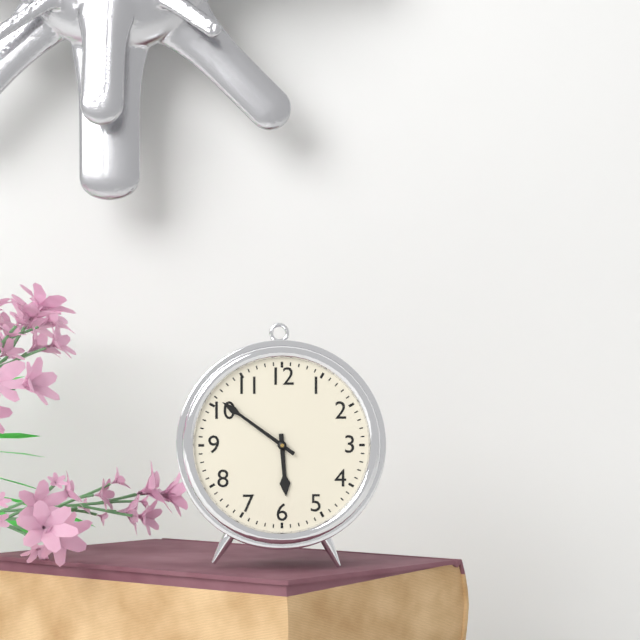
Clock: 5.51
